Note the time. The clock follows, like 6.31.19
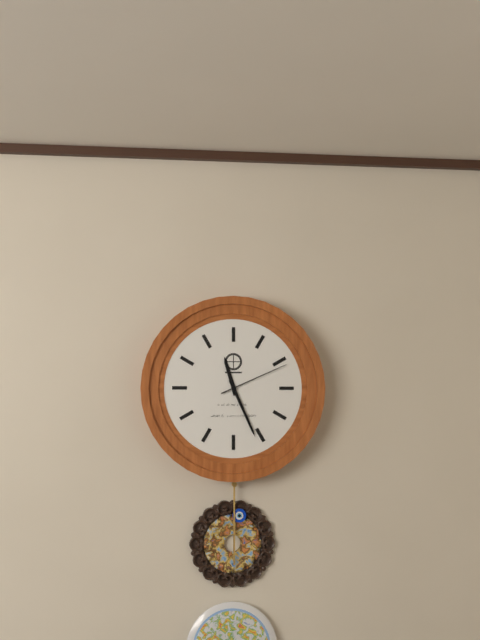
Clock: 11.26.11
